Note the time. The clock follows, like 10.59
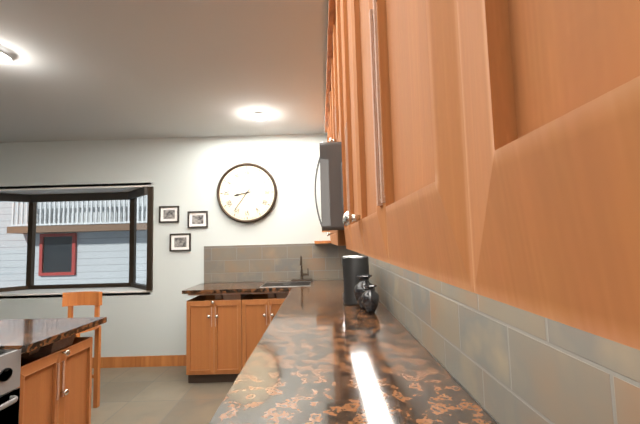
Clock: 8.36
